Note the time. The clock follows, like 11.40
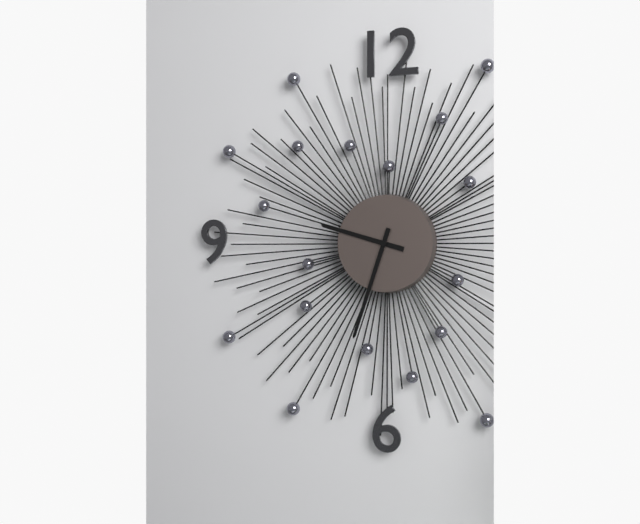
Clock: 9.33
